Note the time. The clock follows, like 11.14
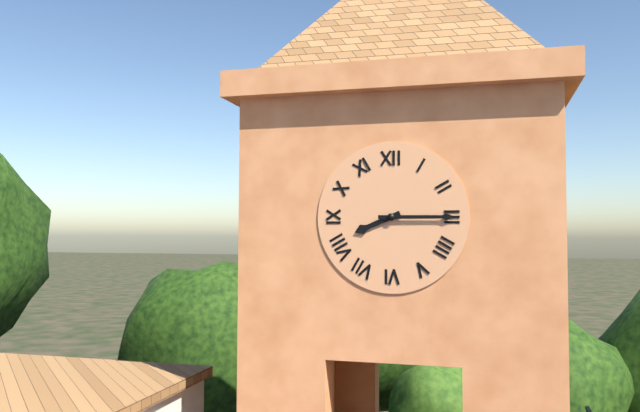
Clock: 8.15
